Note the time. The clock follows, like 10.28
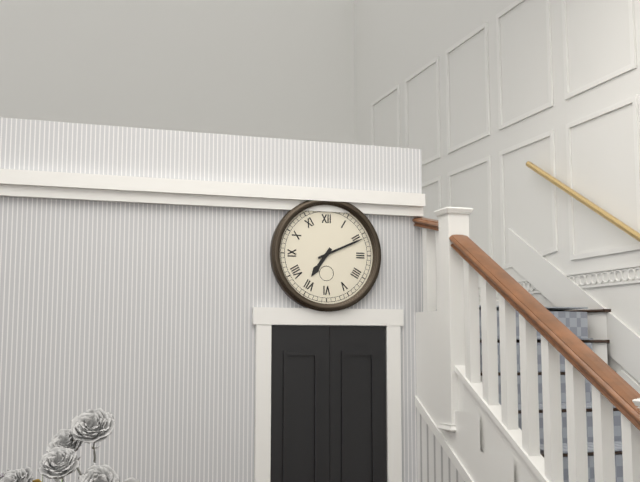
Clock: 7.11
